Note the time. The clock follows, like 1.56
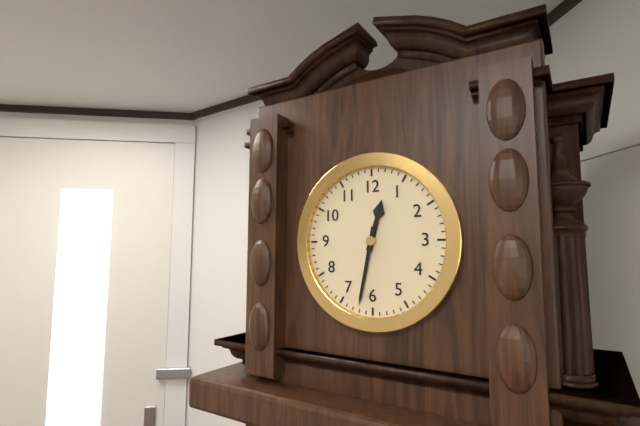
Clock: 12.32
